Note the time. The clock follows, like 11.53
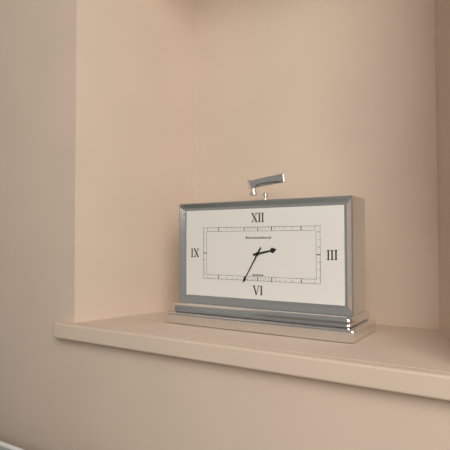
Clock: 2.35
